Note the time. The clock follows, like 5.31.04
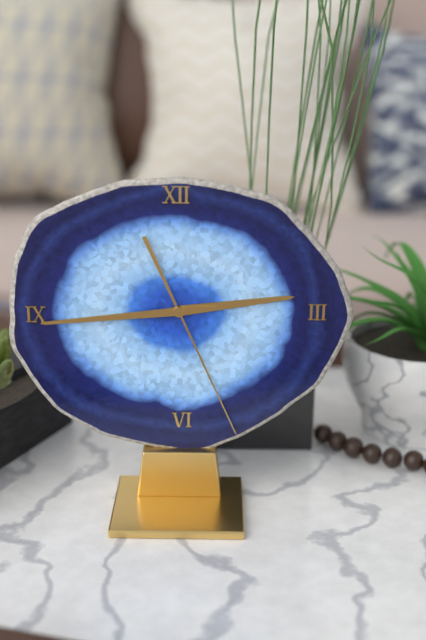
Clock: 2.44.26
